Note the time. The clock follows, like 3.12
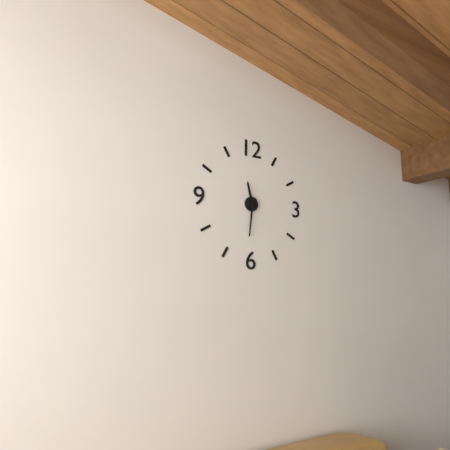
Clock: 11.31
